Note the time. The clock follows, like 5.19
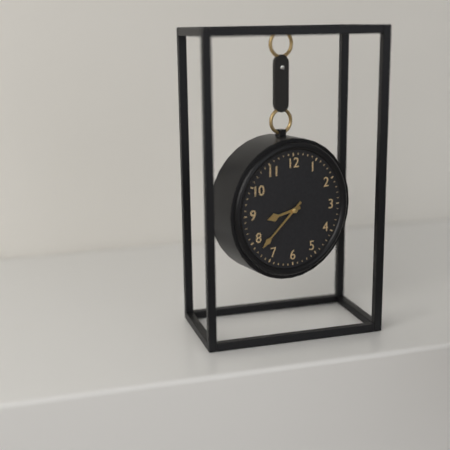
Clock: 8.38
